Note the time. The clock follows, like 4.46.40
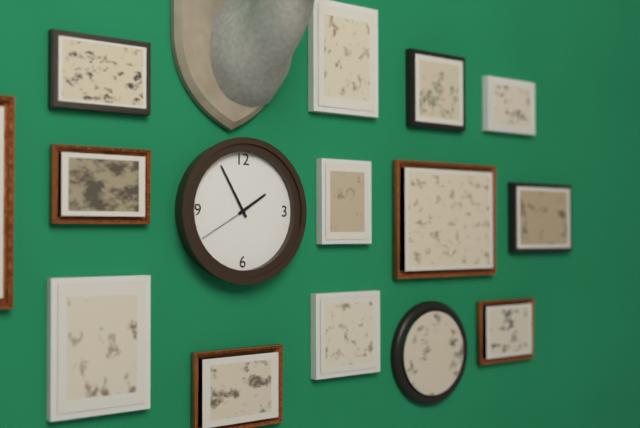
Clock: 1.55.40
